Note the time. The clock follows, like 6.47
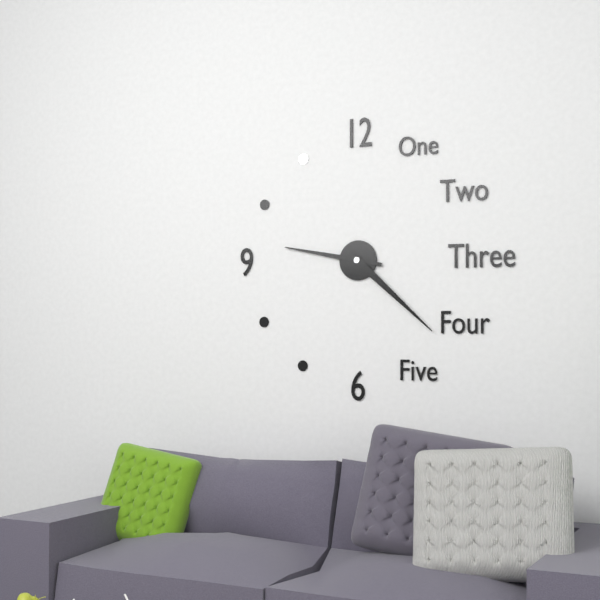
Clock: 9.22
